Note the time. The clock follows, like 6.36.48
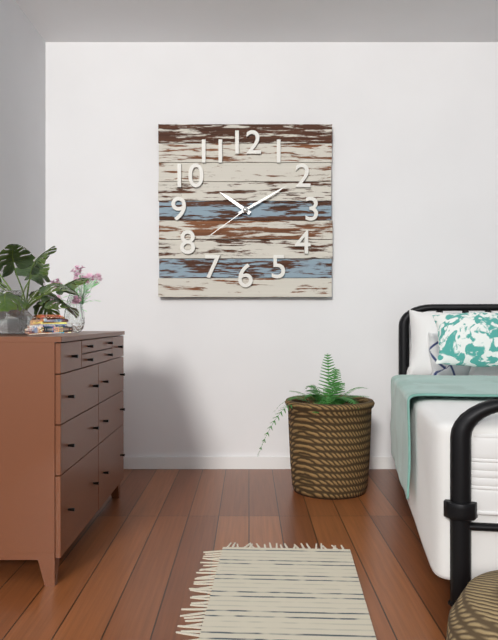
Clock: 10.10.39
